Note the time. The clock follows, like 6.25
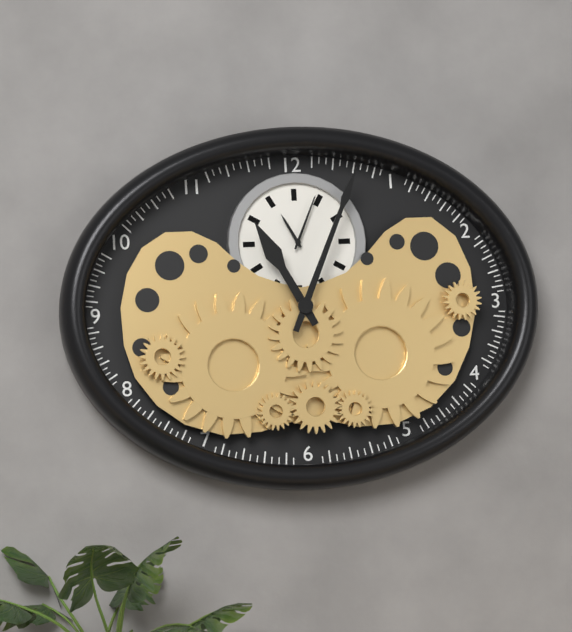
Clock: 11.04
